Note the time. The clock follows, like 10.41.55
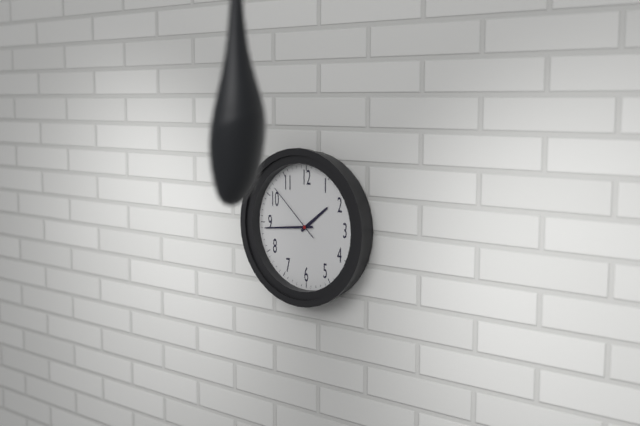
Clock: 1.44.52
